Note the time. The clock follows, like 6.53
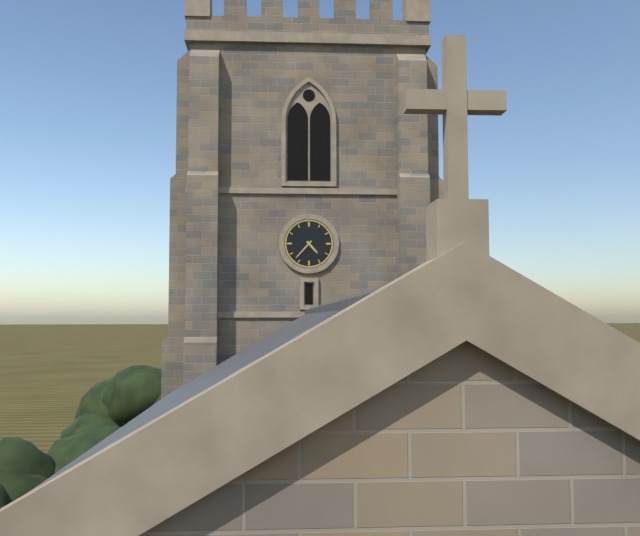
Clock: 4.37
